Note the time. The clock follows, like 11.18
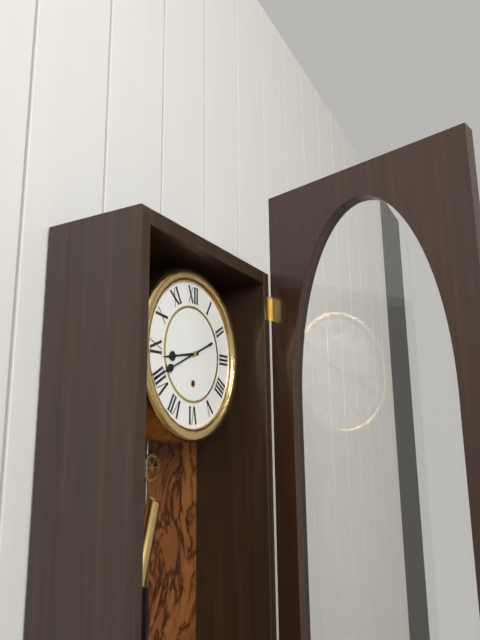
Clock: 8.41
